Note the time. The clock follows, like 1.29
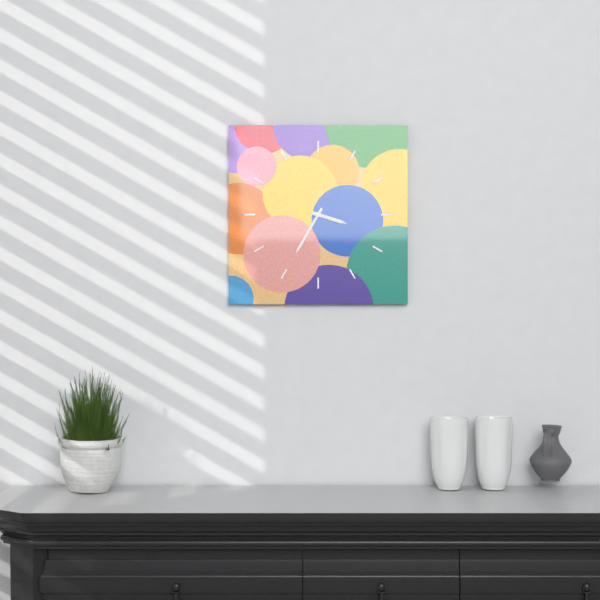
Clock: 3.35
